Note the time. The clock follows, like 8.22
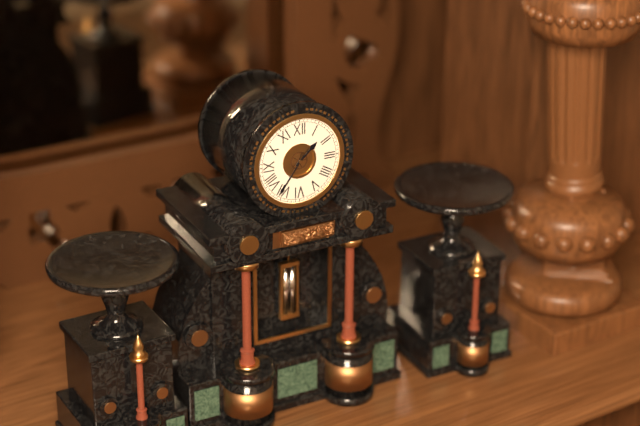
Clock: 1.36
